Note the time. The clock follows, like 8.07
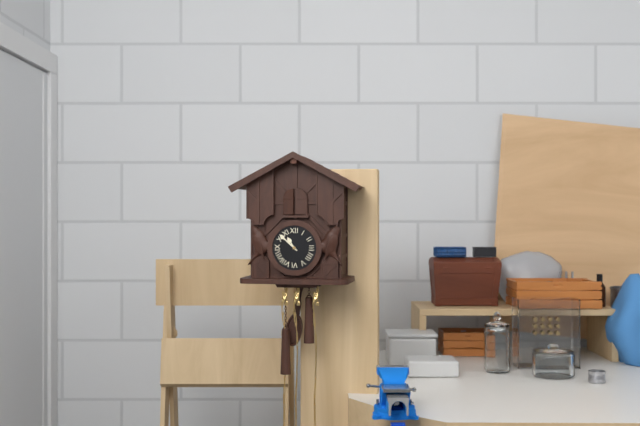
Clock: 10.52
